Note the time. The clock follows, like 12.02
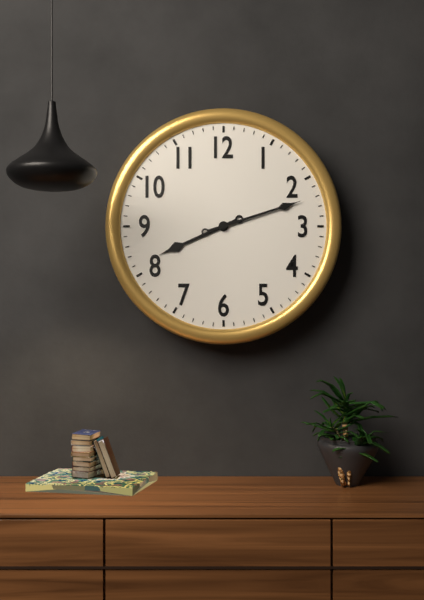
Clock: 8.12
